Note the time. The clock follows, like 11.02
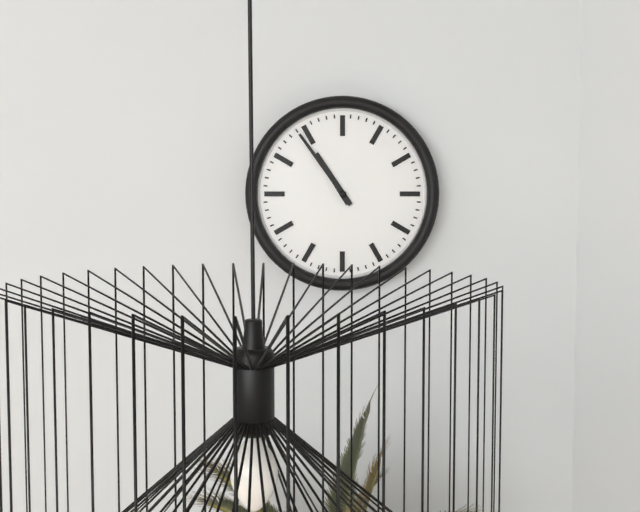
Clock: 10.54
